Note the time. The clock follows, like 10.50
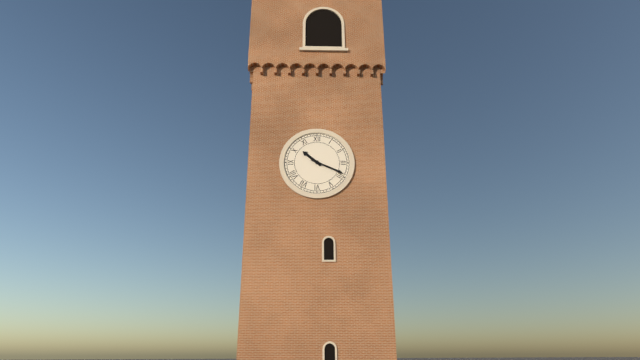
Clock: 10.19
